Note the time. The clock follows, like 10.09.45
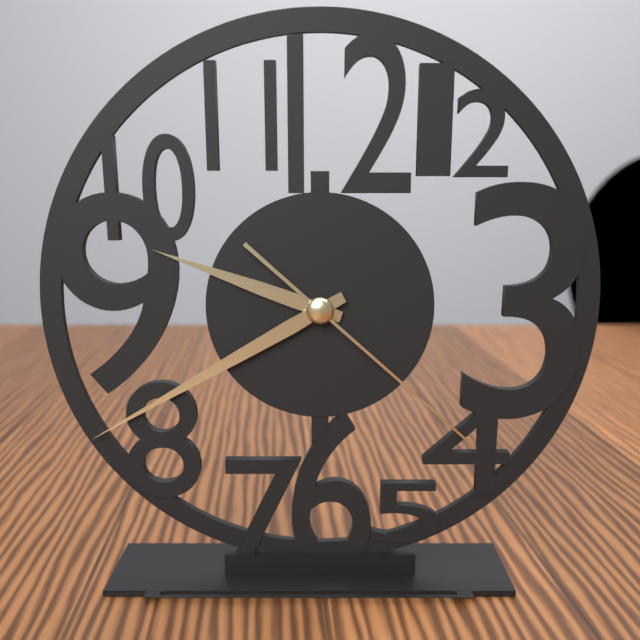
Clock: 9.40.22
